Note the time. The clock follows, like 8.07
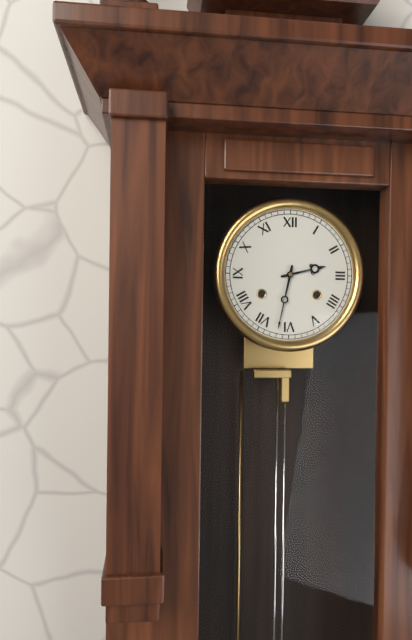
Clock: 2.32
